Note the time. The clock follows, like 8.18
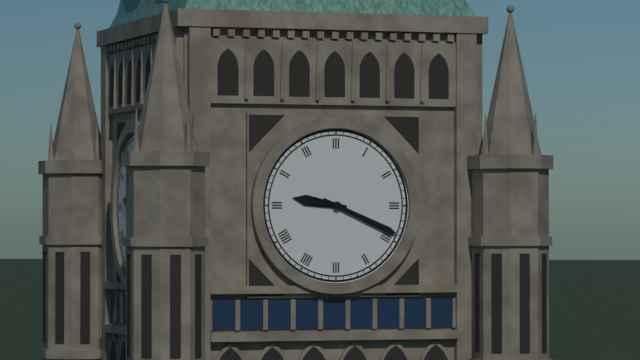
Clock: 9.19
